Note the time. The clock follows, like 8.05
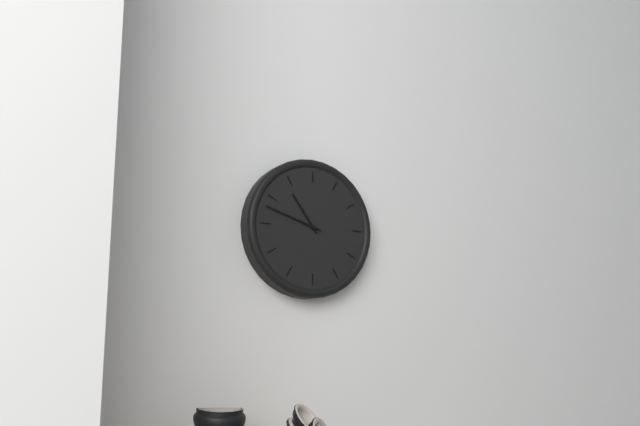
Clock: 10.48
